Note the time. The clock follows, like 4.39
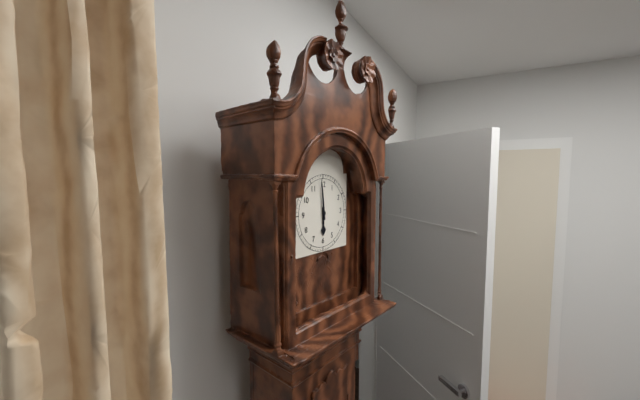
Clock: 5.59
